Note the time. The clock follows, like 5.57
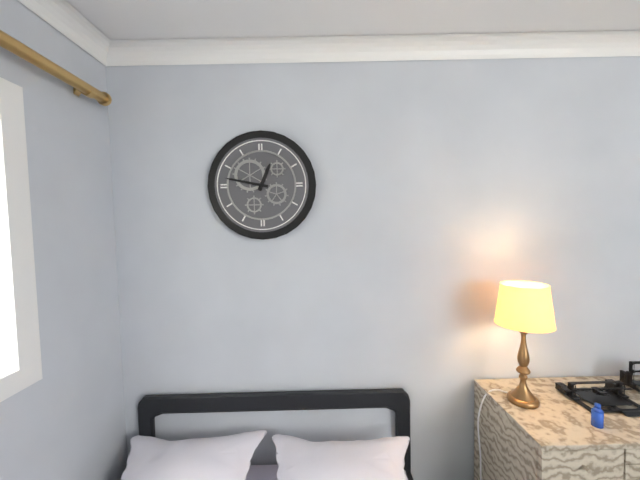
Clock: 12.47
